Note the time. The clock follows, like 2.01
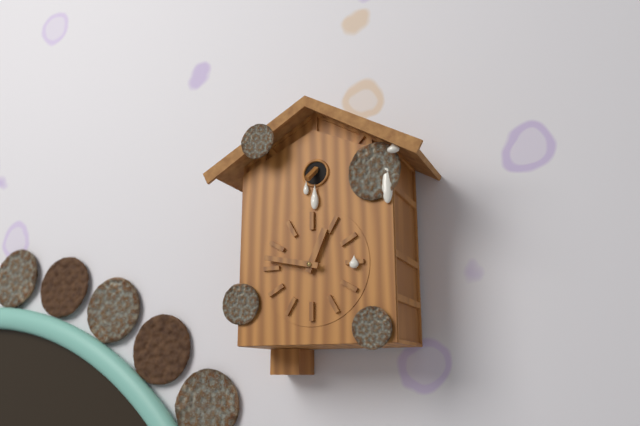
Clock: 12.47
